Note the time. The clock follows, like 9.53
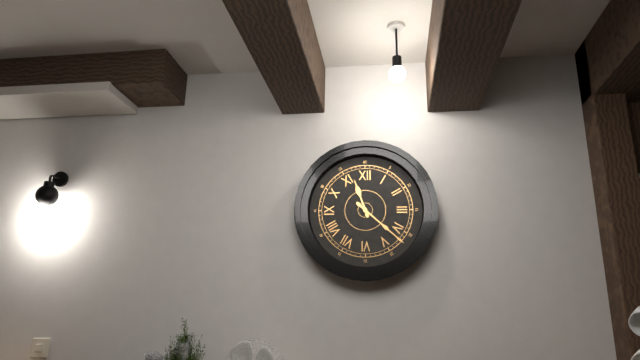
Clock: 11.22
